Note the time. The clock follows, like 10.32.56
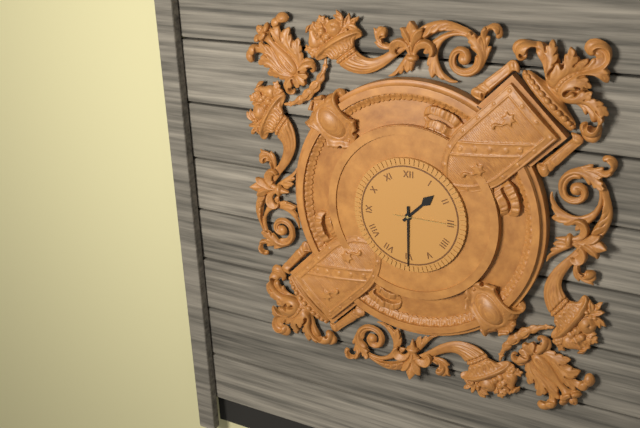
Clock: 1.30.15
